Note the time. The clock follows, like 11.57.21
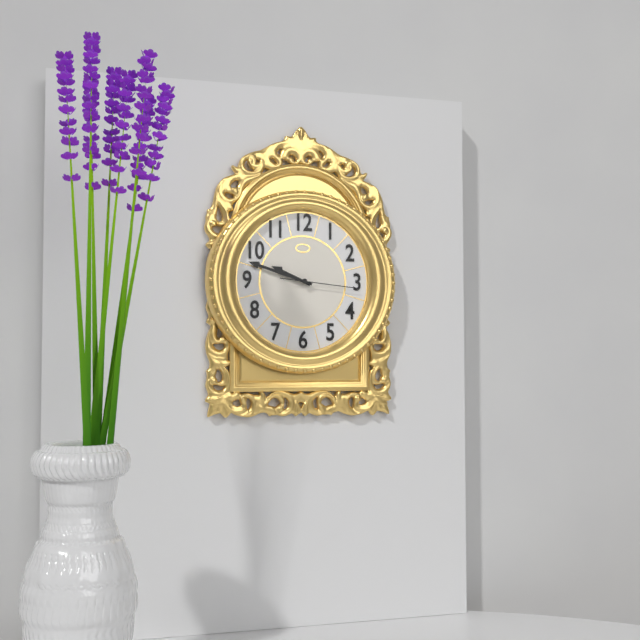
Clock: 9.48.16
